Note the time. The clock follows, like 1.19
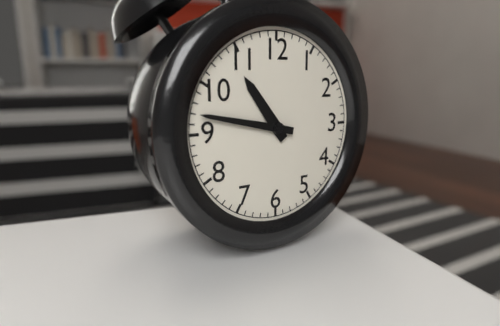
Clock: 10.47
